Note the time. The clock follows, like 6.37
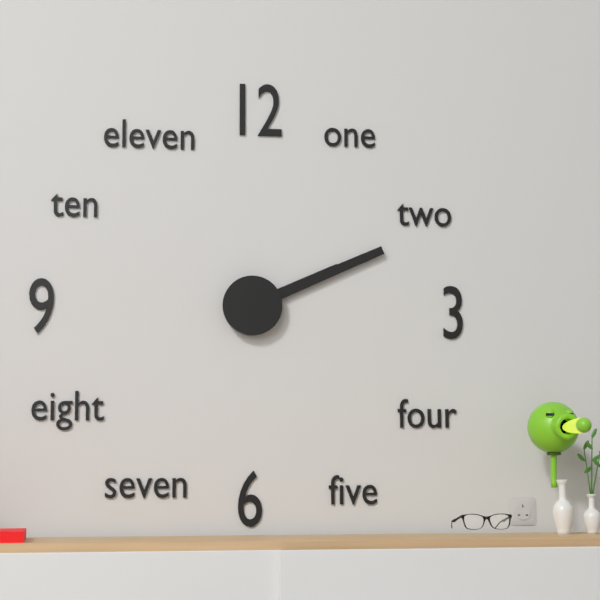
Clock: 2.11
